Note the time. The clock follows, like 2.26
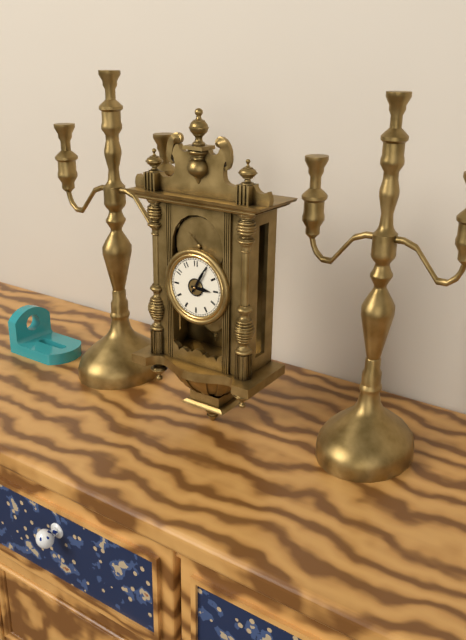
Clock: 3.05
